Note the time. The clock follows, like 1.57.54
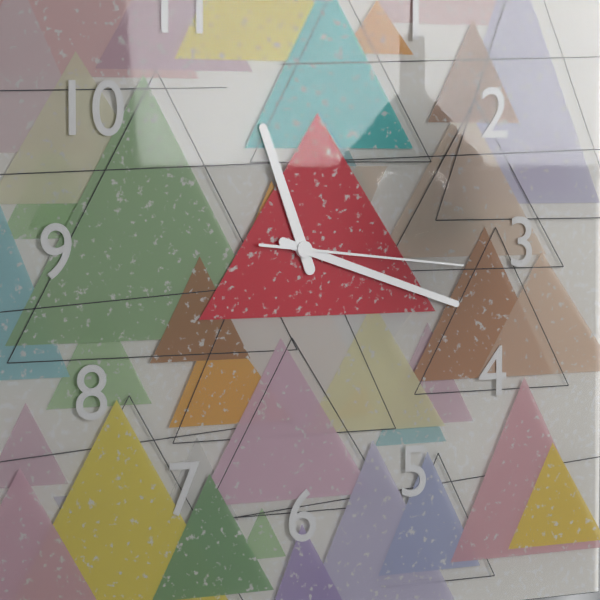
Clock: 11.18.16
